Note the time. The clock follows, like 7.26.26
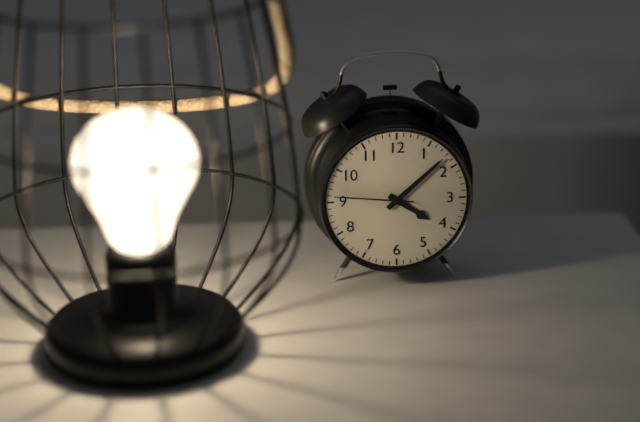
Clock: 4.08.46
